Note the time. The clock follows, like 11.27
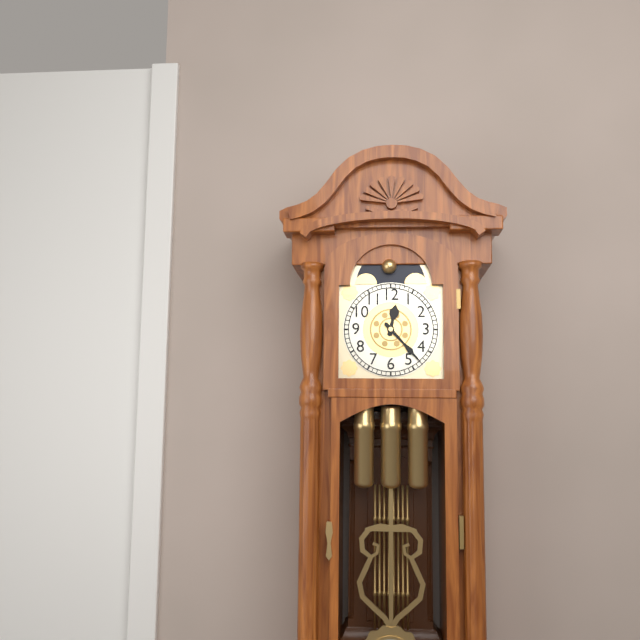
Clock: 12.23
